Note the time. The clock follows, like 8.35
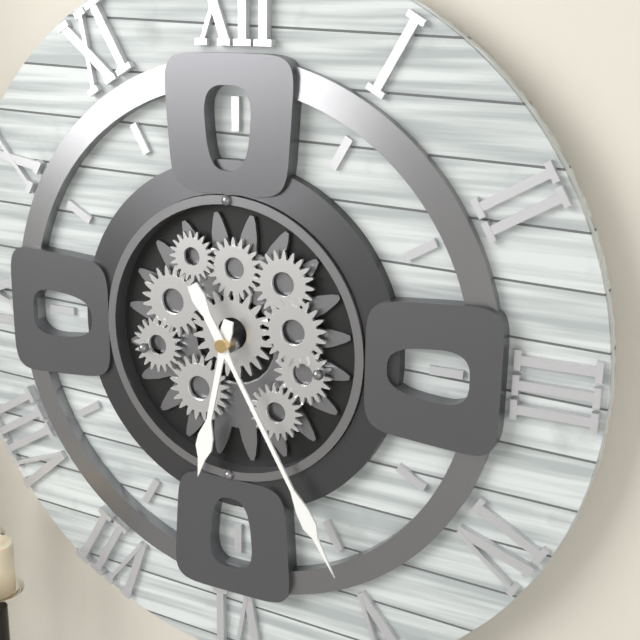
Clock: 6.25
